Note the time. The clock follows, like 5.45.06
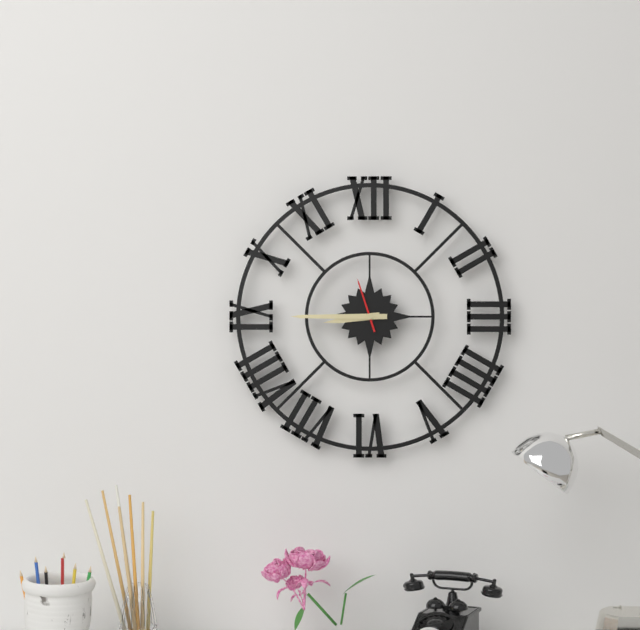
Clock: 8.45.57
